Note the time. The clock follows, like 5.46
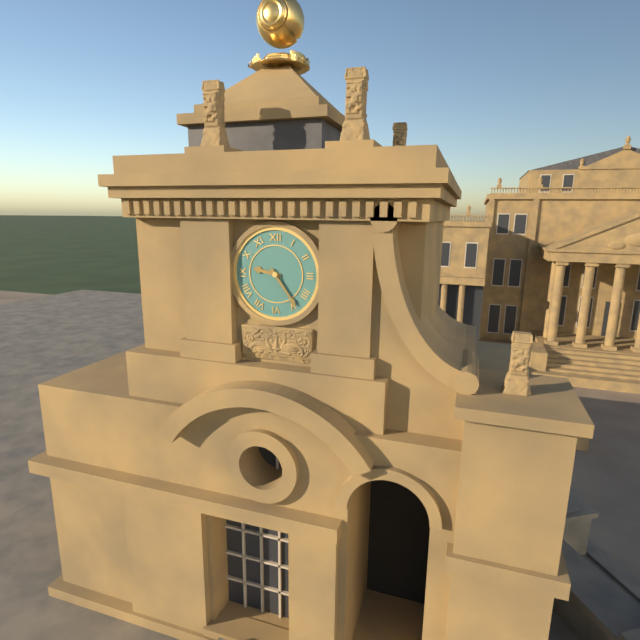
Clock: 9.24
